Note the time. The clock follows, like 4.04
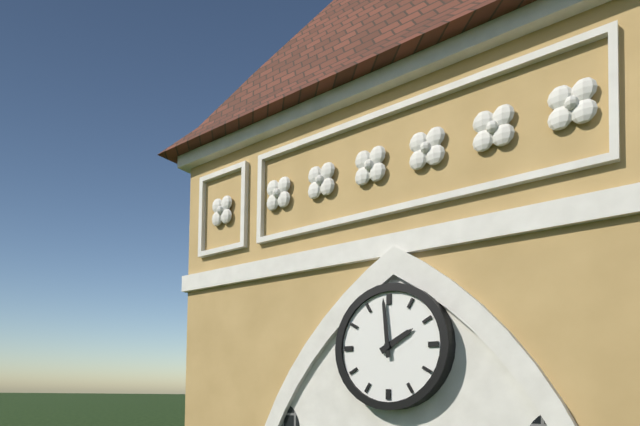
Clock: 1.59
